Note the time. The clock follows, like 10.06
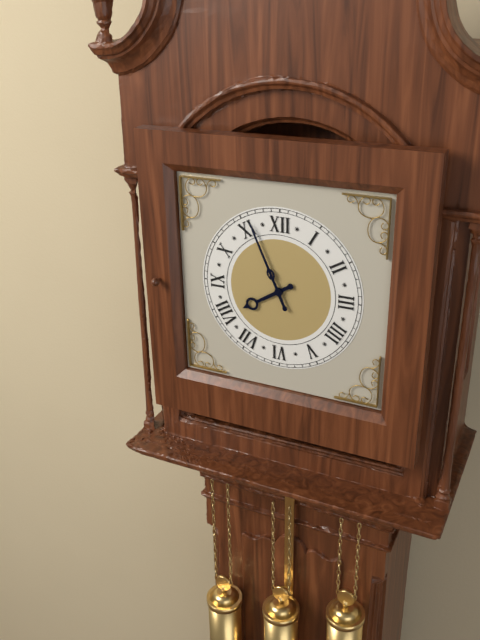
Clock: 7.56
